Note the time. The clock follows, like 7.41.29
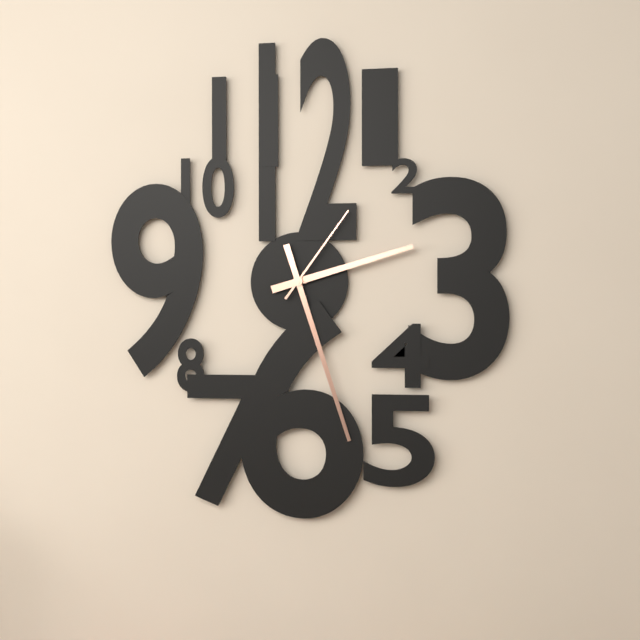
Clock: 2.27.06
